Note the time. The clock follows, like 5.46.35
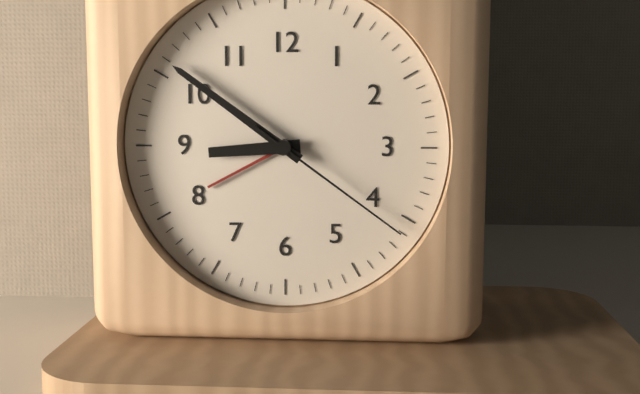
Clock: 8.51.21
